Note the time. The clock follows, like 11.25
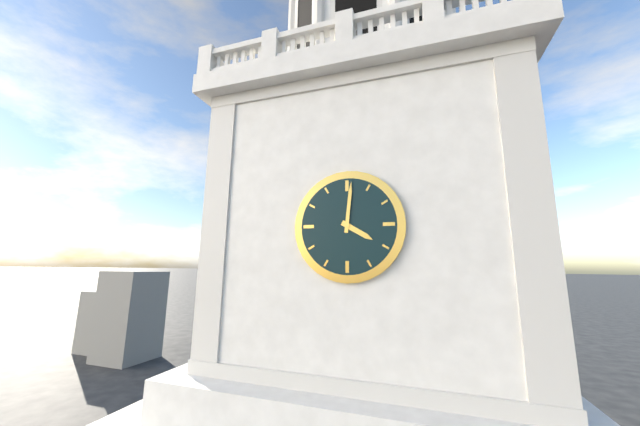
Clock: 4.01
